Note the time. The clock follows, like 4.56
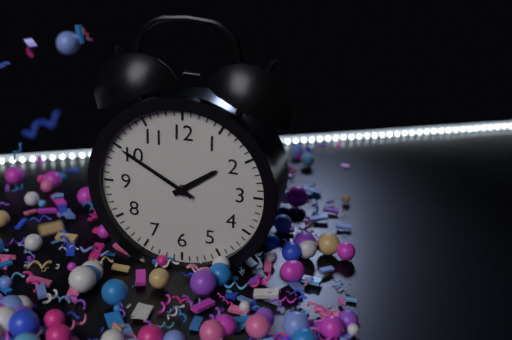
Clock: 1.50
